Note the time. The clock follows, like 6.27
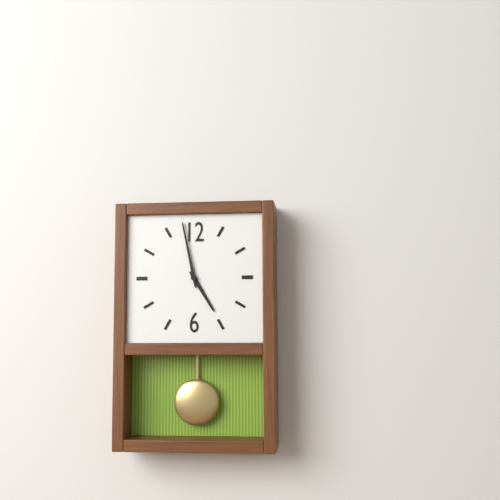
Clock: 4.58
